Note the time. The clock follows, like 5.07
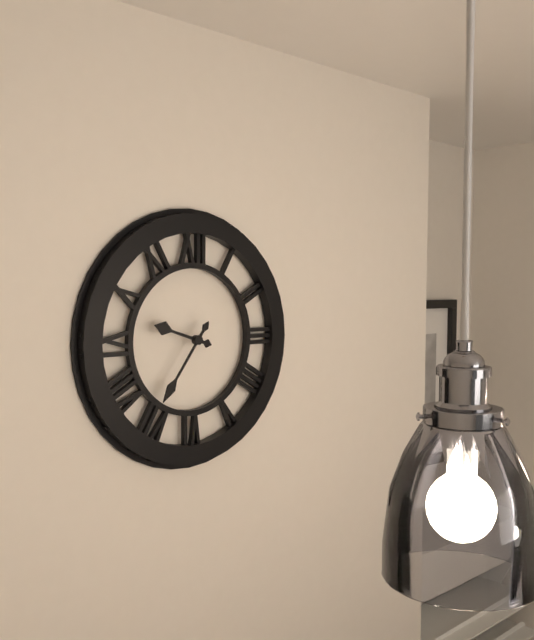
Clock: 9.36
